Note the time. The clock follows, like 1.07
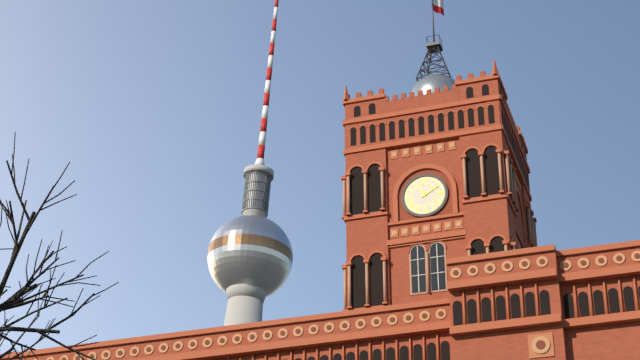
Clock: 11.10
